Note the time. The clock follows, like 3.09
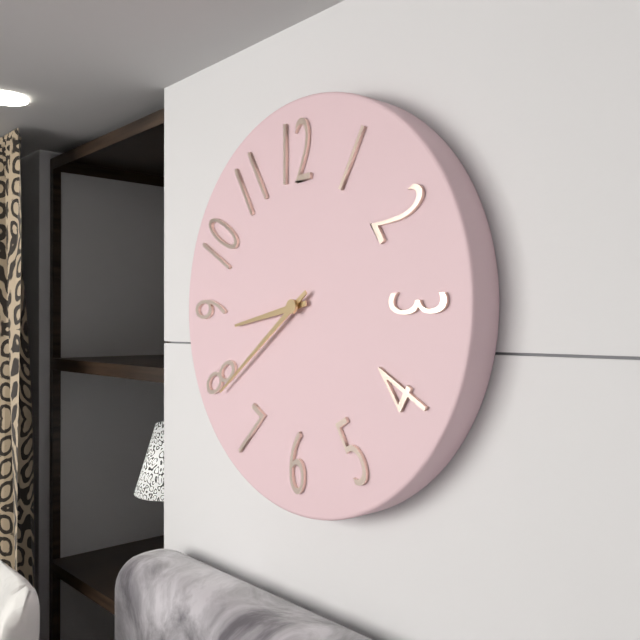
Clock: 8.39
